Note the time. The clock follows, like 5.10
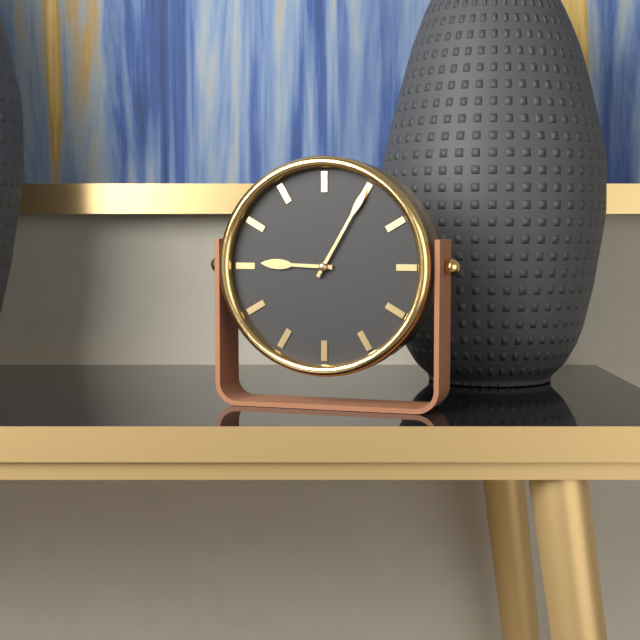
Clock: 9.05
